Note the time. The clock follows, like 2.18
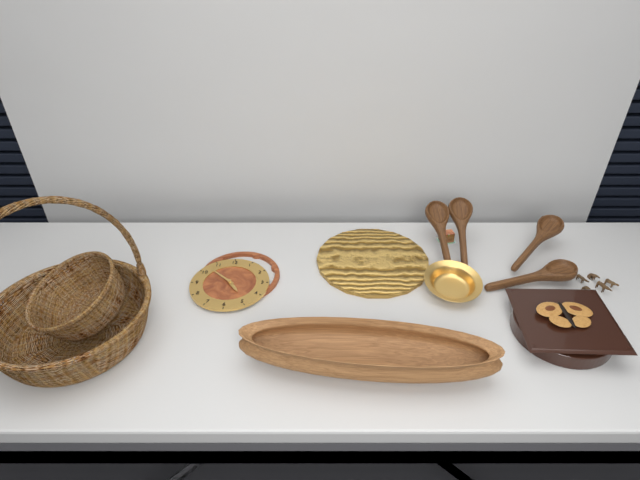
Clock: 4.52
